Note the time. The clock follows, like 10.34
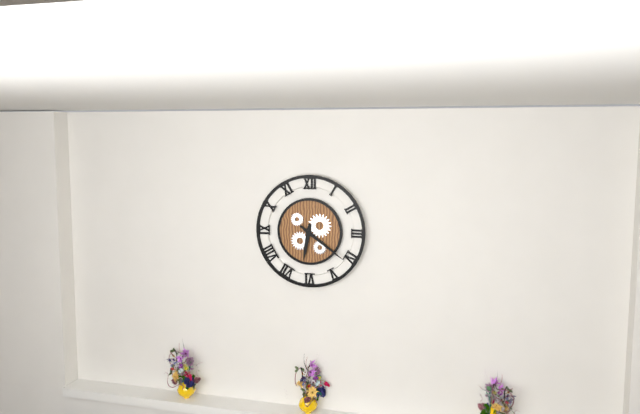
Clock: 6.21
